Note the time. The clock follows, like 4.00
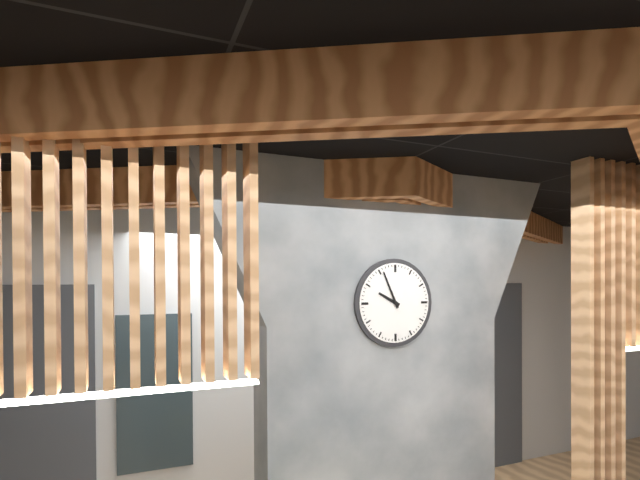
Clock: 9.56
